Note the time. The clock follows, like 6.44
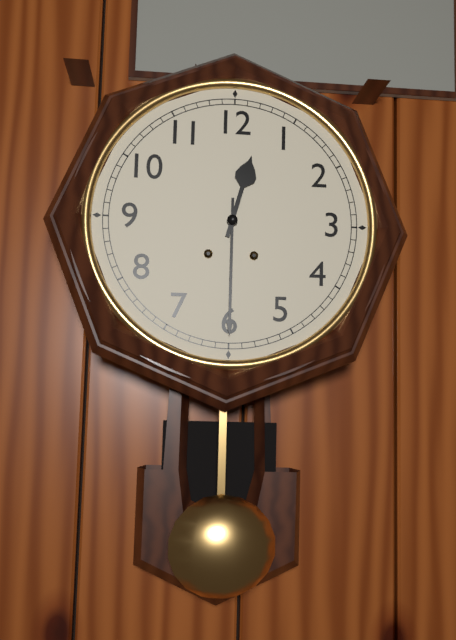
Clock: 12.30
